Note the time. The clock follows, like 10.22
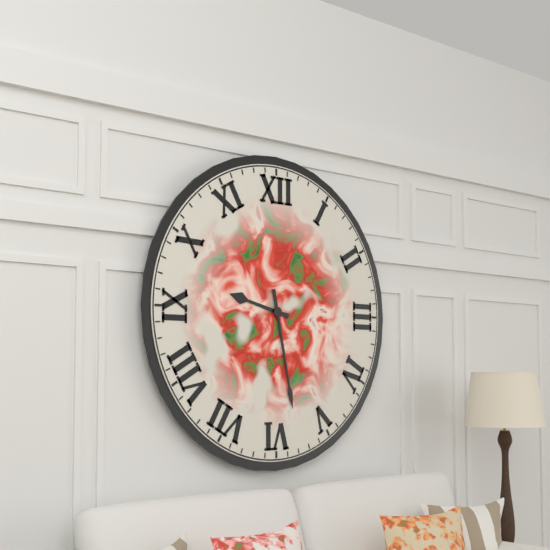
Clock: 9.28
